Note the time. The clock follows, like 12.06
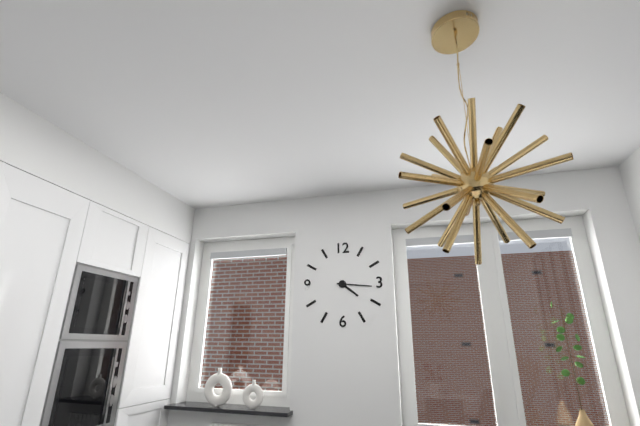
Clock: 4.16
